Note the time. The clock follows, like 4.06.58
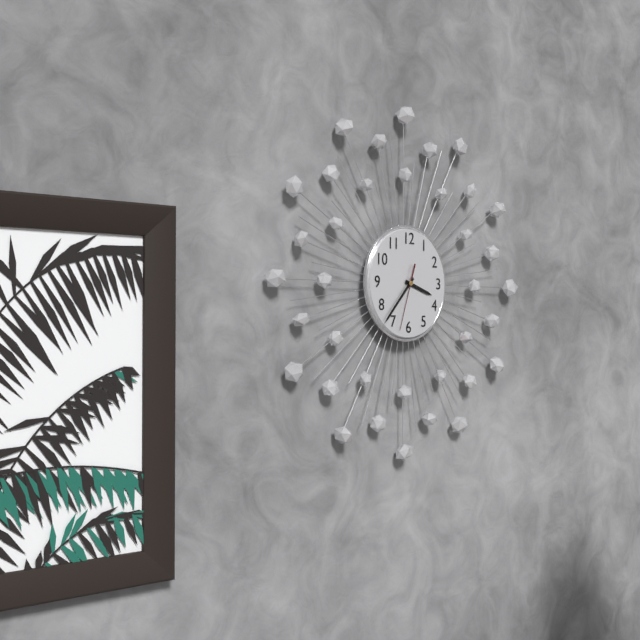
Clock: 3.37.33
